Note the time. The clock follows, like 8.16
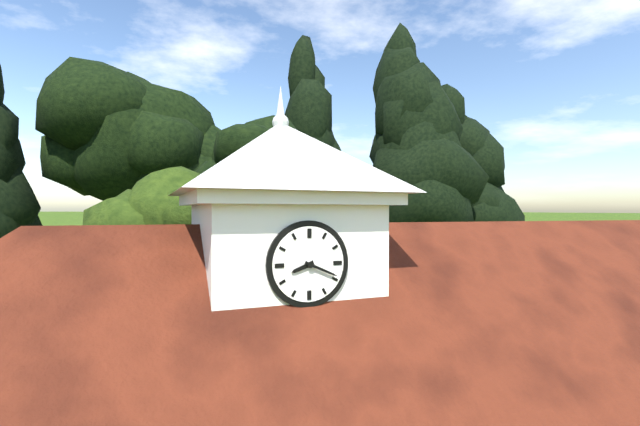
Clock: 8.19
